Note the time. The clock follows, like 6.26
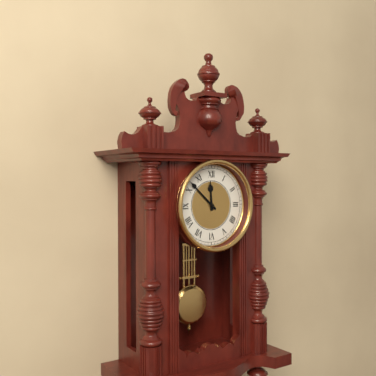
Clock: 11.52
